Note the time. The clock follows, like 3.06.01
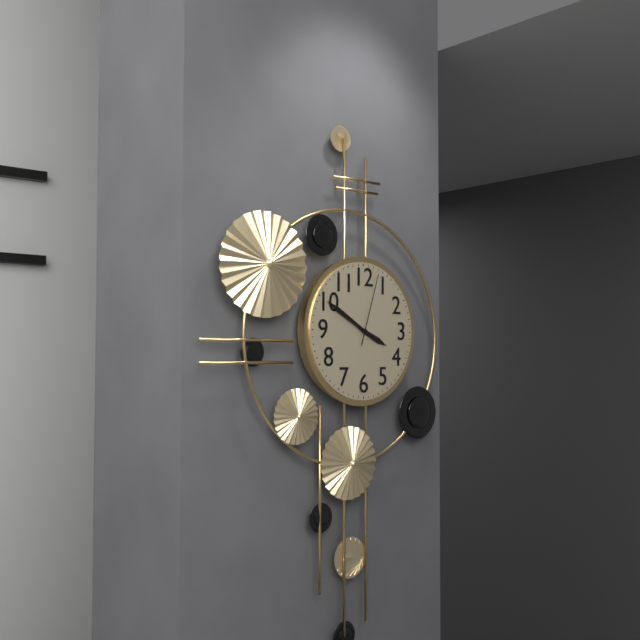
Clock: 3.50.03
